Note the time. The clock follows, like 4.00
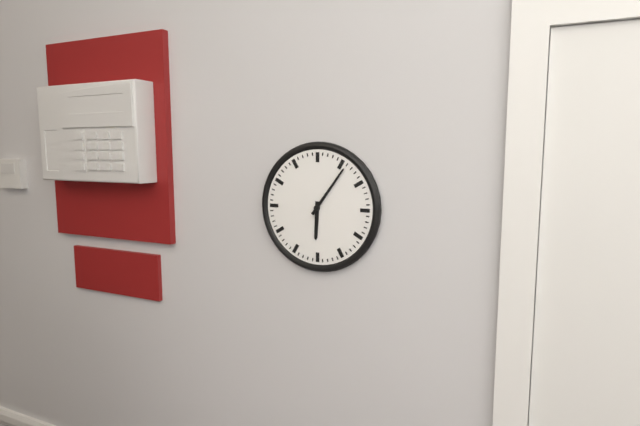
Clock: 6.06
